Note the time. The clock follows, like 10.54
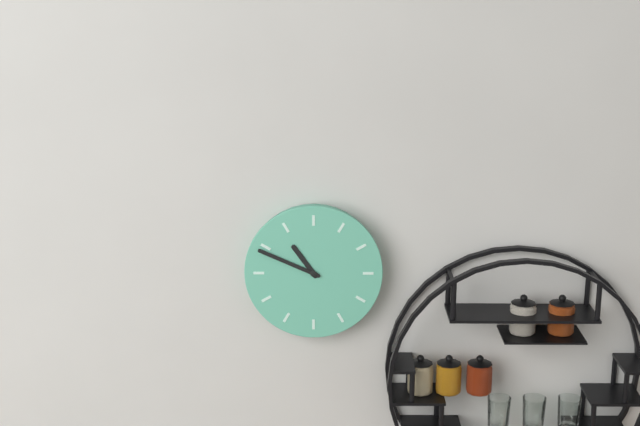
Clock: 10.49
